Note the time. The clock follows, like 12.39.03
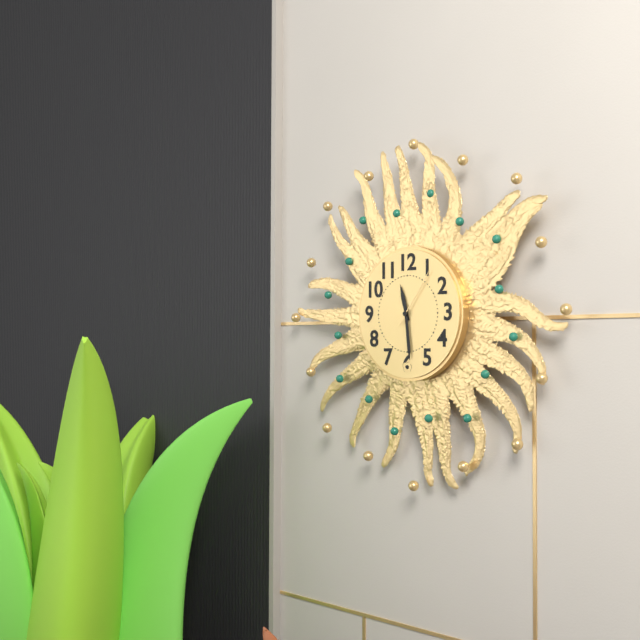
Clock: 11.29.06
